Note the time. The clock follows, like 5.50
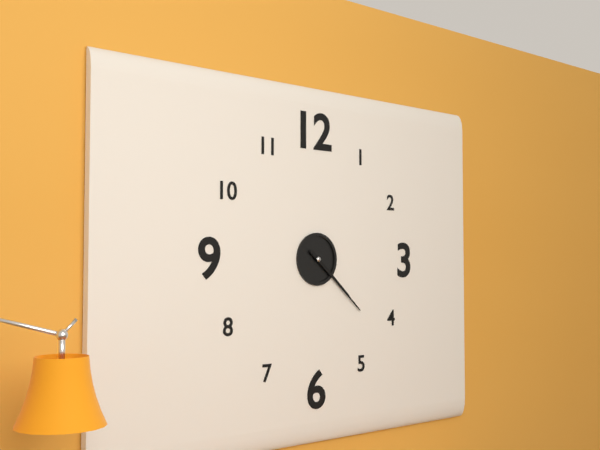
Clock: 4.22
